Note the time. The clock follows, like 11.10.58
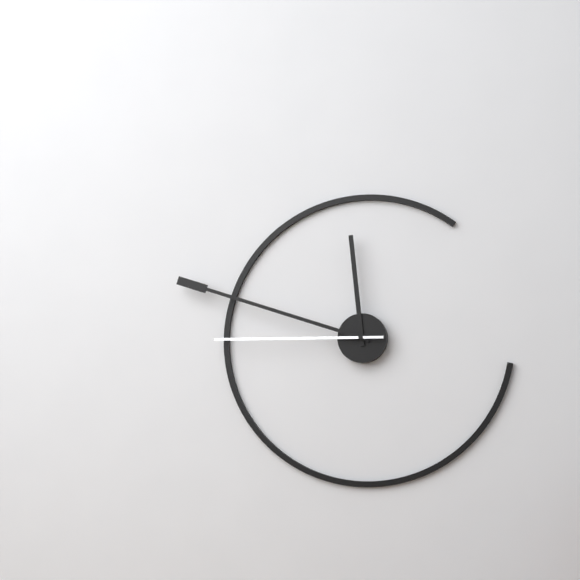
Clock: 11.48.45
